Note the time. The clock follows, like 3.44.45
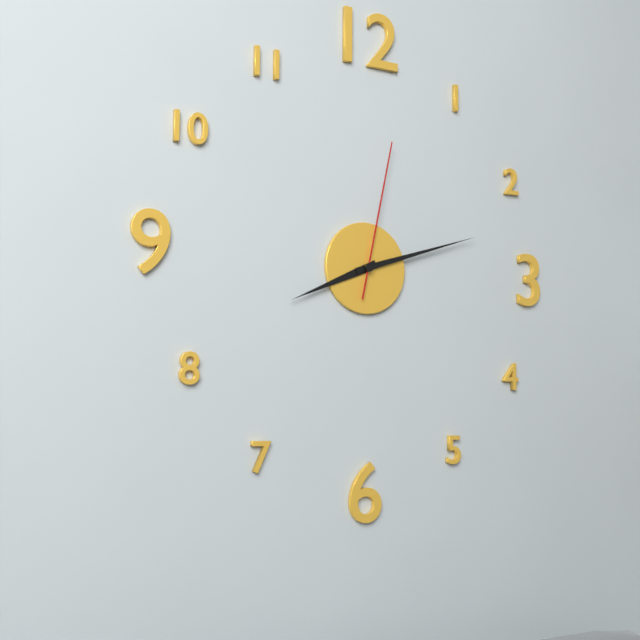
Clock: 8.12.02
